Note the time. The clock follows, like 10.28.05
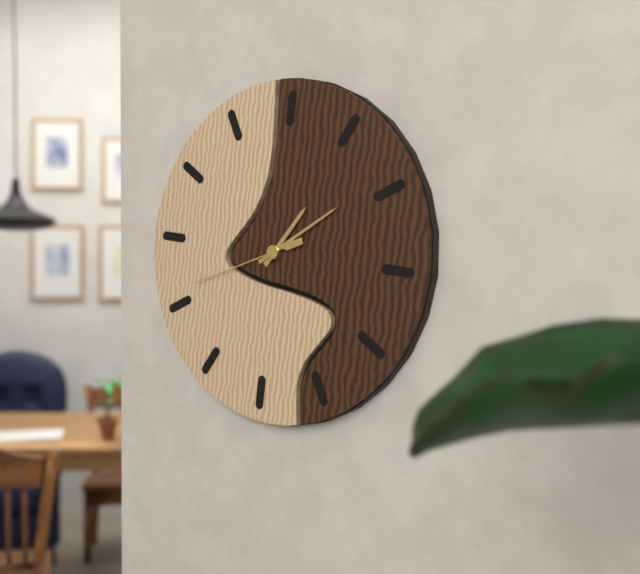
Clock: 1.09.41
